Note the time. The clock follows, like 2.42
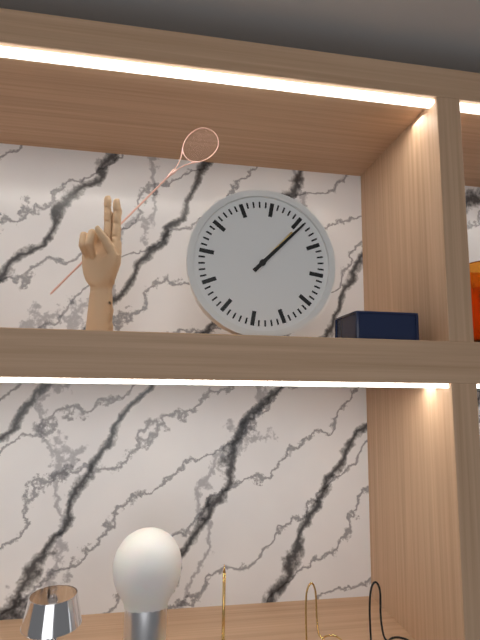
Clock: 1.06
